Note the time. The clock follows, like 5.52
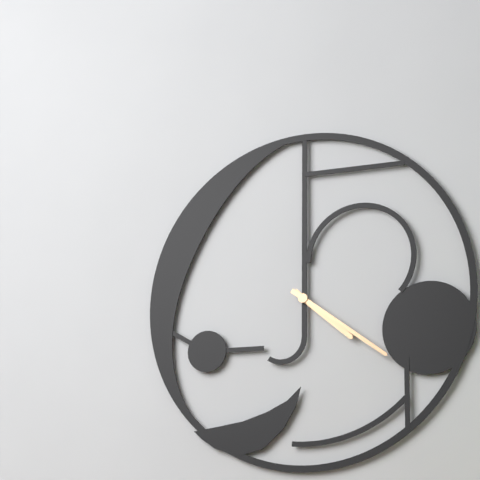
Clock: 4.21
